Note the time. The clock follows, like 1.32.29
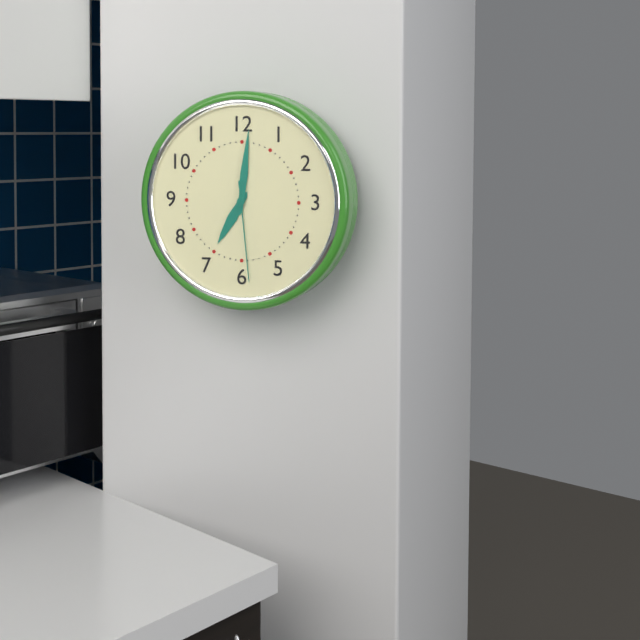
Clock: 7.01.29
